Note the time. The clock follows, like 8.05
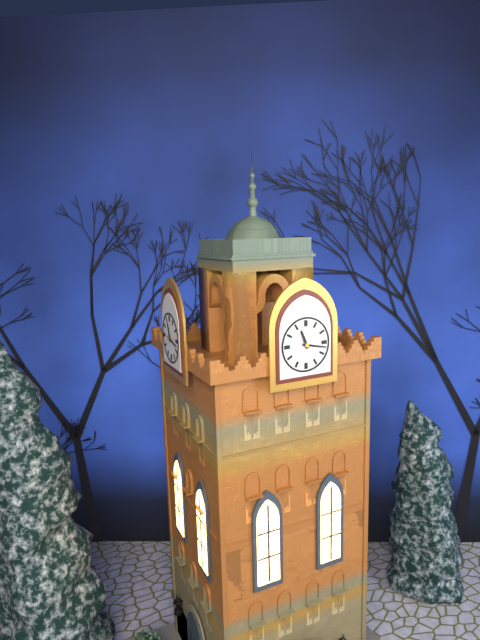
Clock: 11.17
